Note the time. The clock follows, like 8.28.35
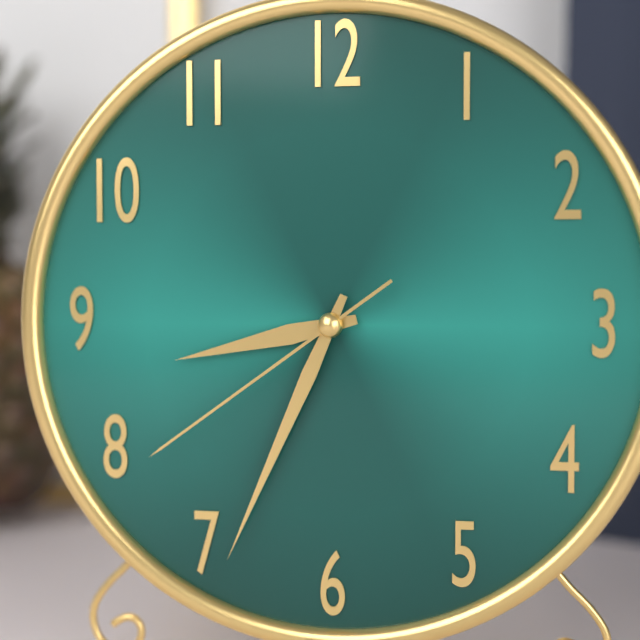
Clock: 8.34.39
